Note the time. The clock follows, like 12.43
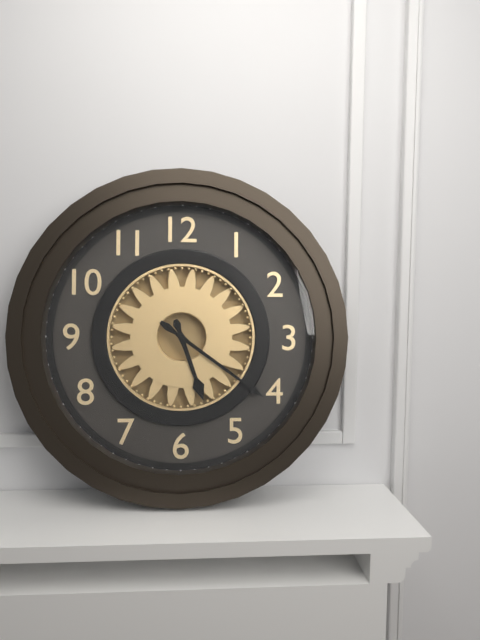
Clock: 5.21
